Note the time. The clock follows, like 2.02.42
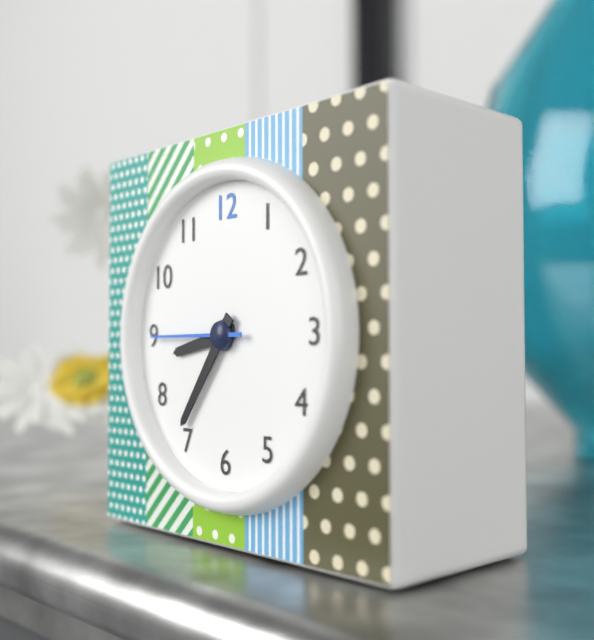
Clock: 8.36.45
